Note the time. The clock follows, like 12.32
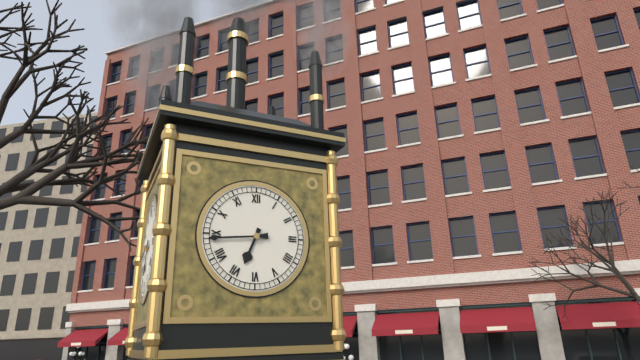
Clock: 6.44
